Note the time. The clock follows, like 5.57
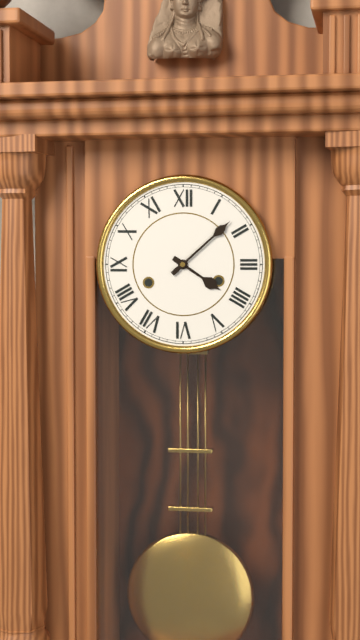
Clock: 4.08
